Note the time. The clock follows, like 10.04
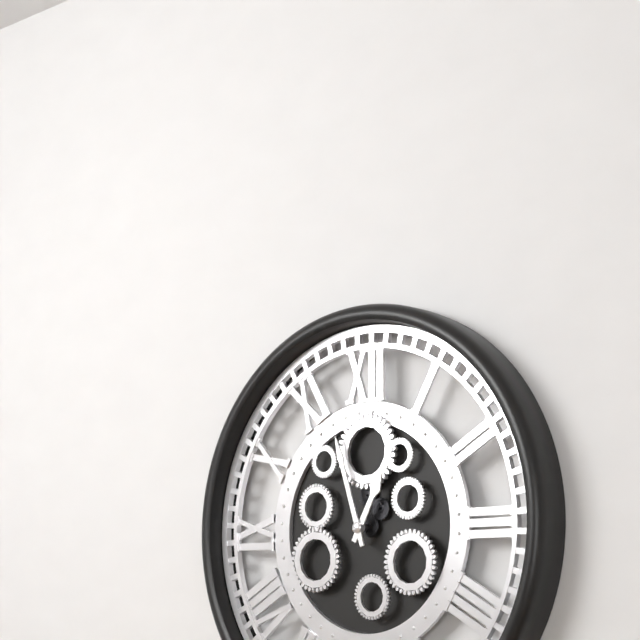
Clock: 12.57
